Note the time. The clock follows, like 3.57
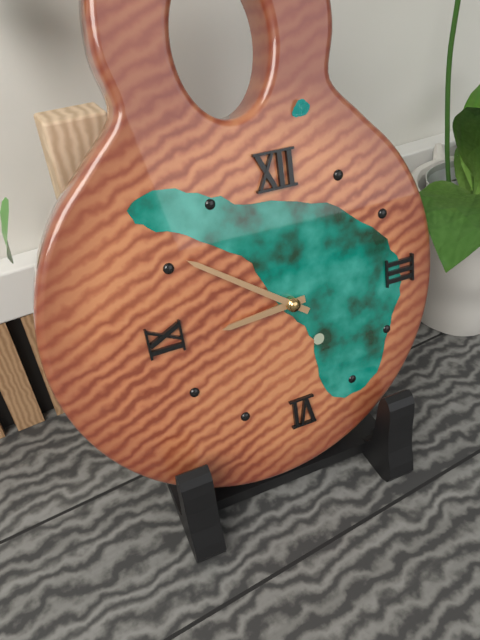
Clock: 8.51
